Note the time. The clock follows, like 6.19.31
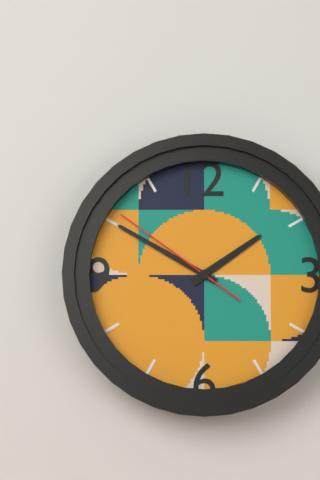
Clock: 1.50.51
